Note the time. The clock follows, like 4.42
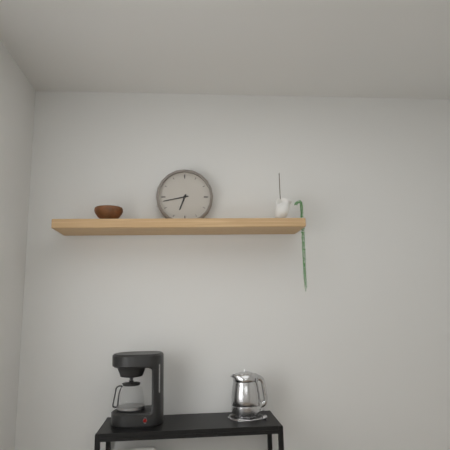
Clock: 6.43
